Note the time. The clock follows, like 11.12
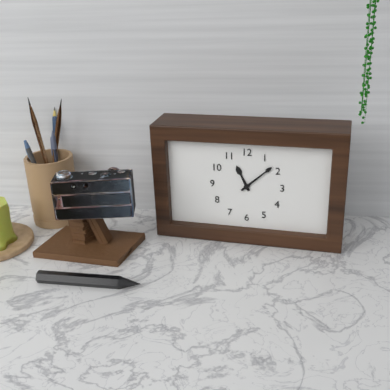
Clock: 11.08
